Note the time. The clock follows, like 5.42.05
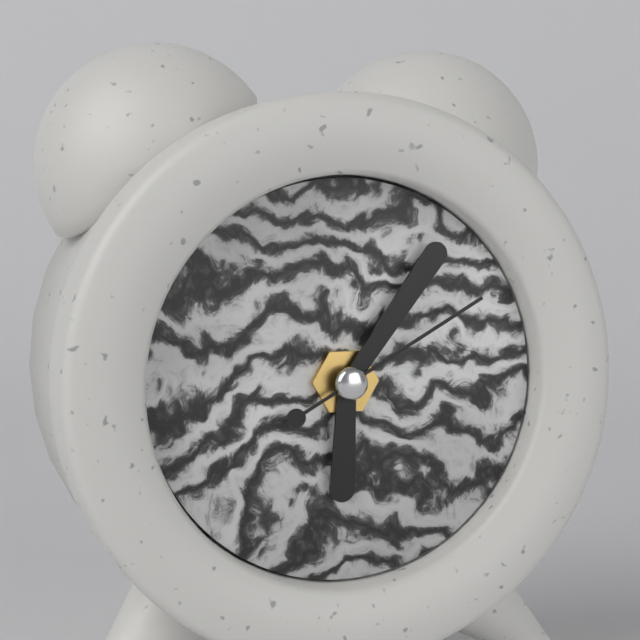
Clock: 6.06.10
